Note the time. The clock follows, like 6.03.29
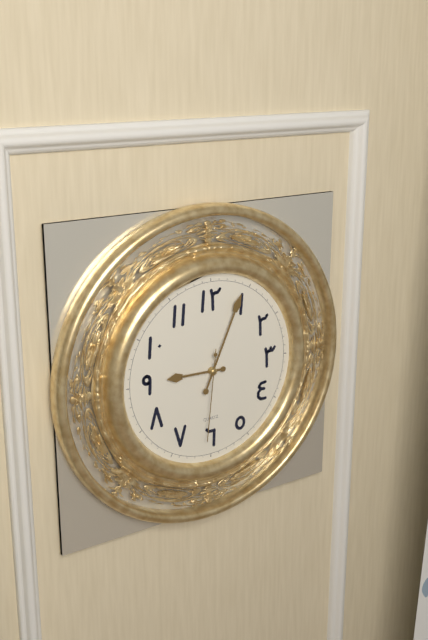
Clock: 9.04.31
